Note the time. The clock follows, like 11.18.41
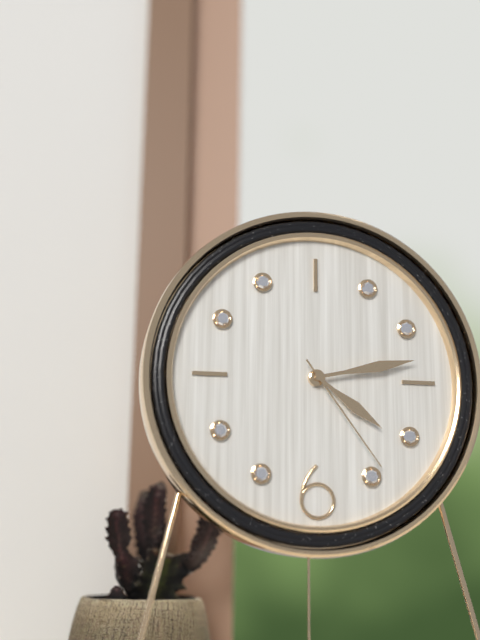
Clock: 4.13.24
